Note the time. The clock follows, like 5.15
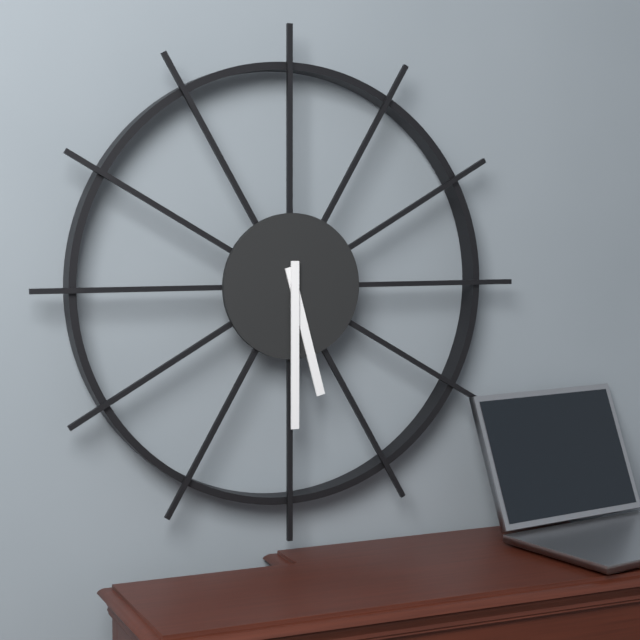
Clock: 5.30
